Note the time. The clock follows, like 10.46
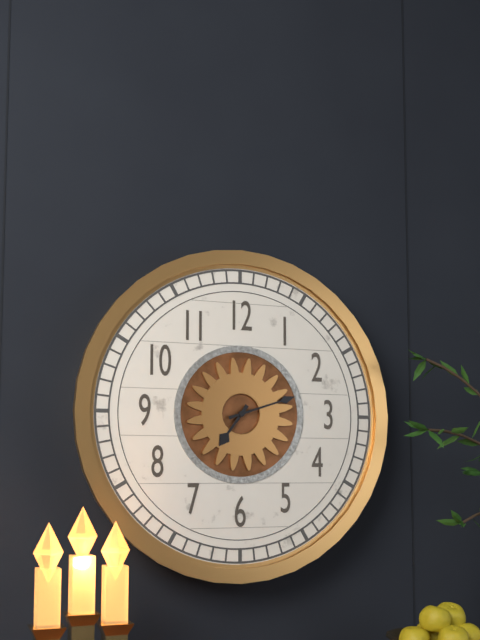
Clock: 7.12
